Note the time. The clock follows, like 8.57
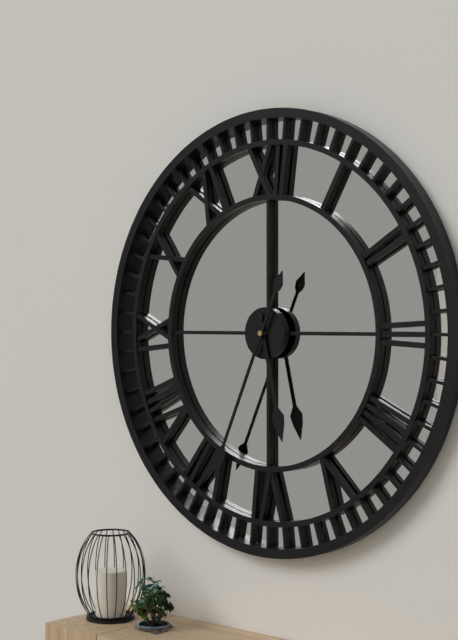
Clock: 5.34
